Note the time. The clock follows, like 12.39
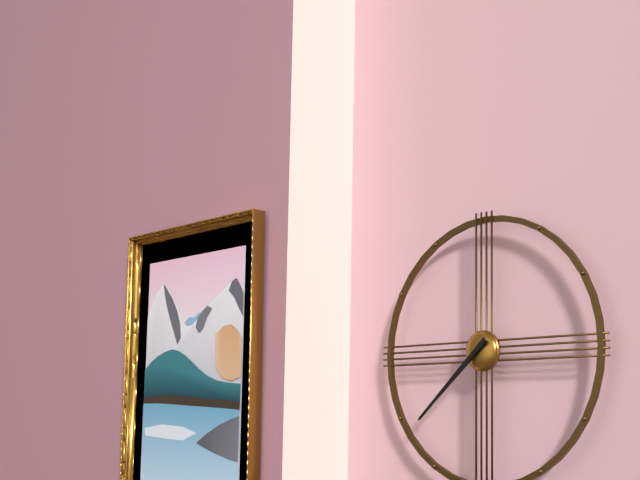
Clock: 7.38
